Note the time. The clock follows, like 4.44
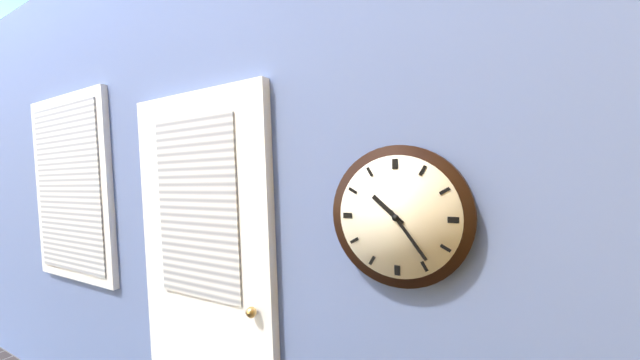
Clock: 10.24
